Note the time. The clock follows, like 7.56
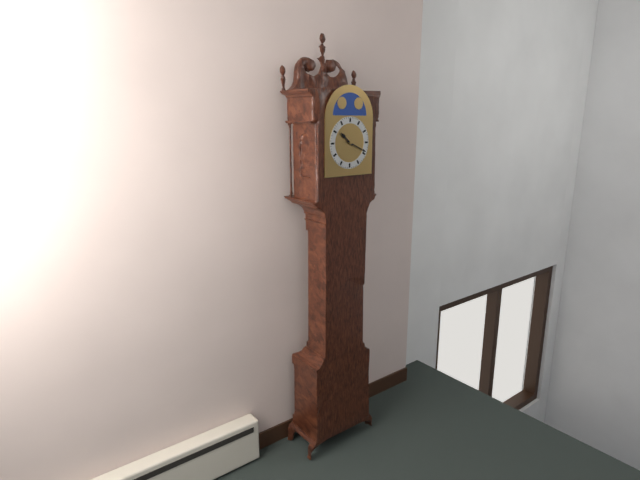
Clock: 10.19
